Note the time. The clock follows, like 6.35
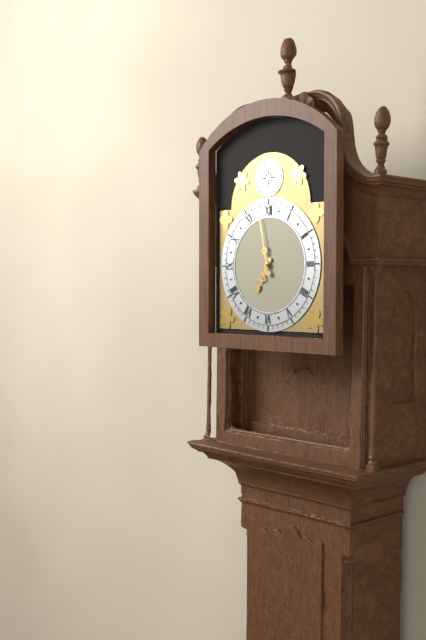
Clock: 6.58
